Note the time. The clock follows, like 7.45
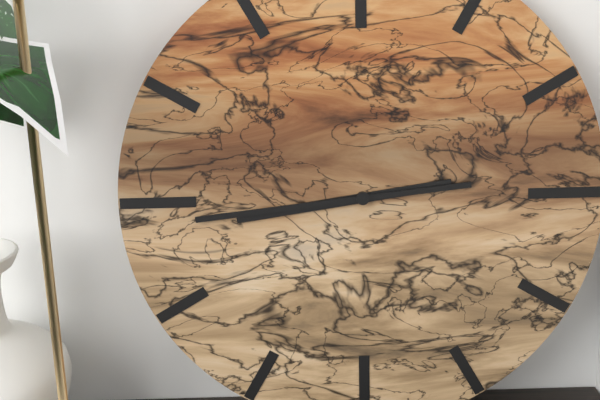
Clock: 8.44
